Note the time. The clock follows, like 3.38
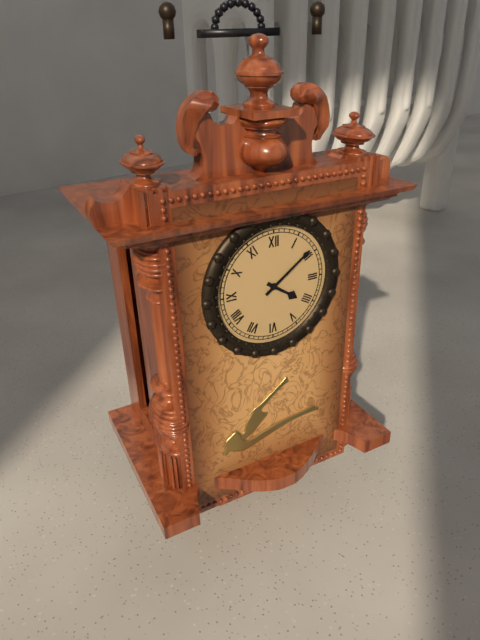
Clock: 4.09
